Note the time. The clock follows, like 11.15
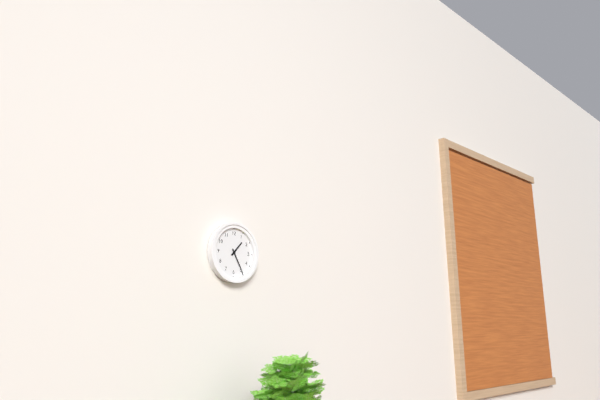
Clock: 1.25
